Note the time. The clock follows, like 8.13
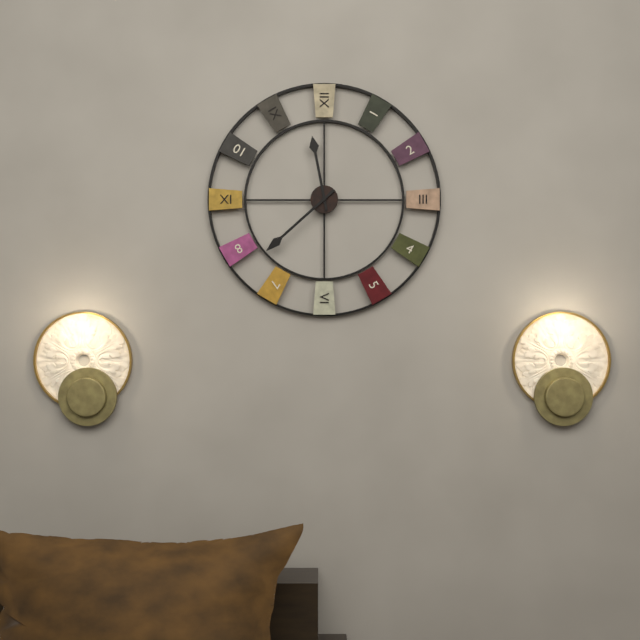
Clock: 11.38
